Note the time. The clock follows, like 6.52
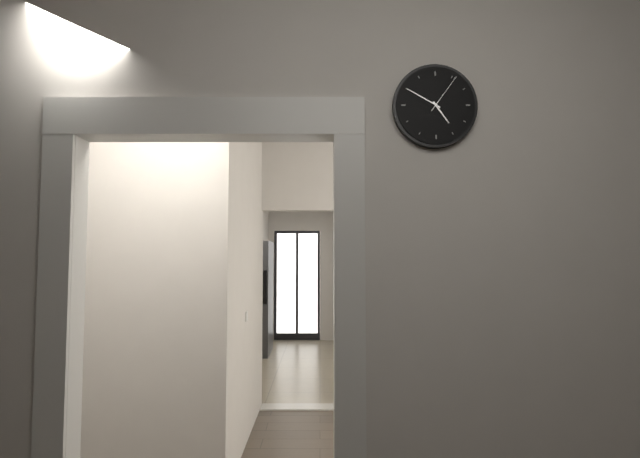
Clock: 4.50
